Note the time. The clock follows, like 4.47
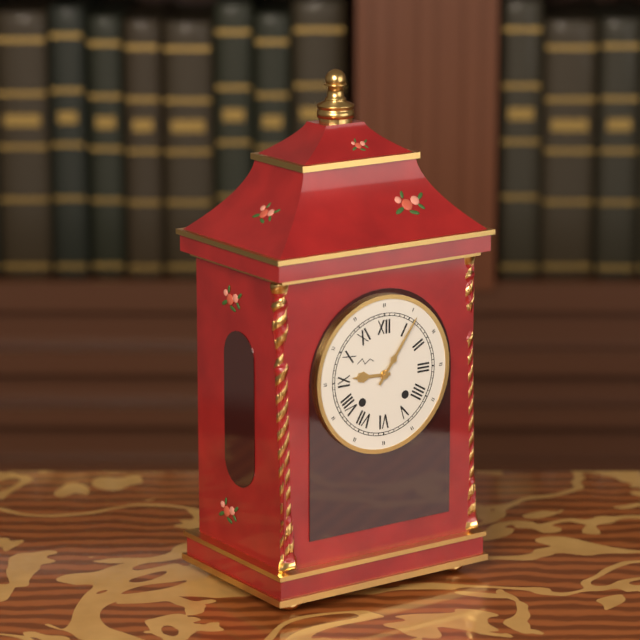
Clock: 9.06
